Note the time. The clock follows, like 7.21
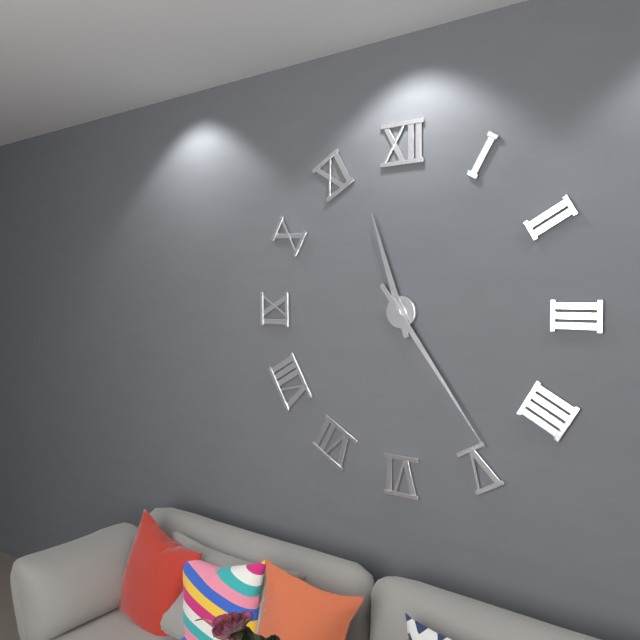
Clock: 11.24
